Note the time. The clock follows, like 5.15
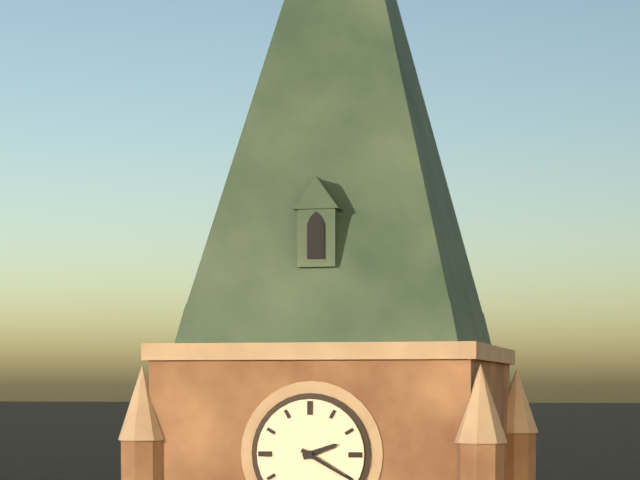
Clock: 2.20
